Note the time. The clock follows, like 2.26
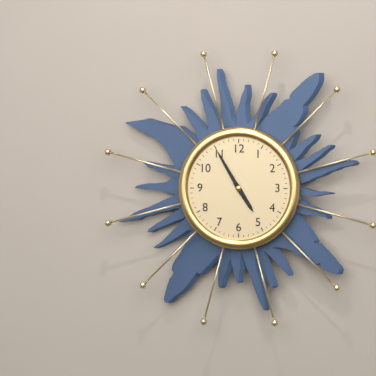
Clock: 4.55
